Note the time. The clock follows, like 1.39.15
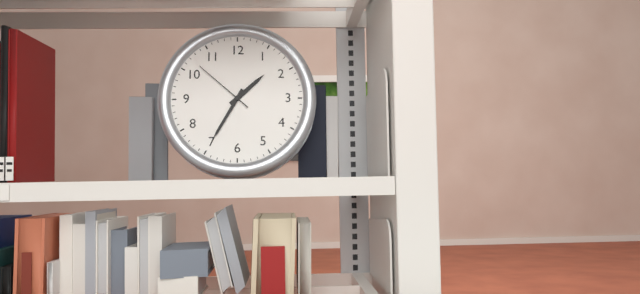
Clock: 1.35.52
